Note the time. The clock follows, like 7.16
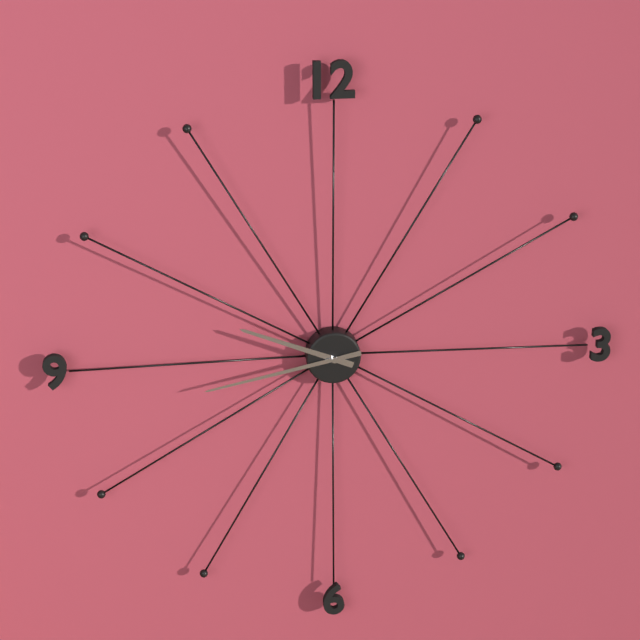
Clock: 9.43
